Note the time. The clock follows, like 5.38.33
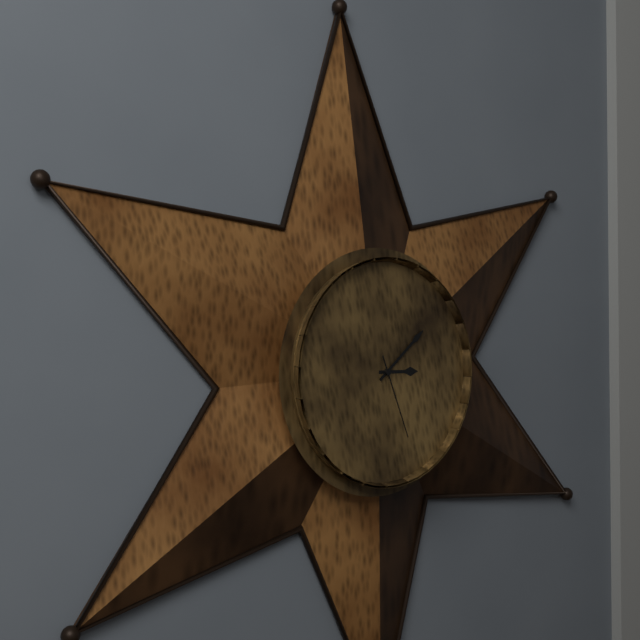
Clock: 3.09.27
